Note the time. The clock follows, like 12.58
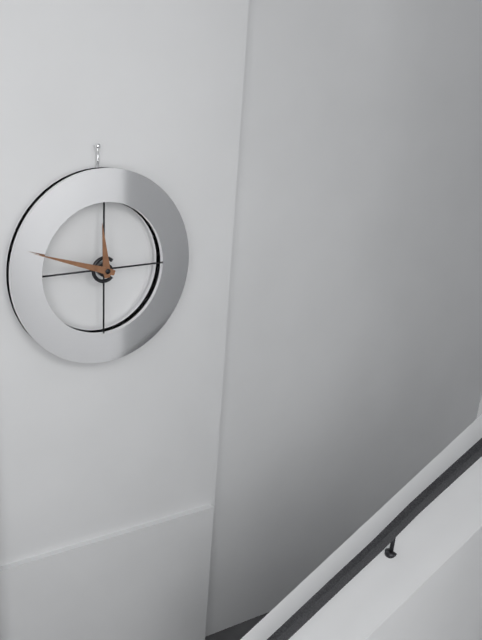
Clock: 11.48
